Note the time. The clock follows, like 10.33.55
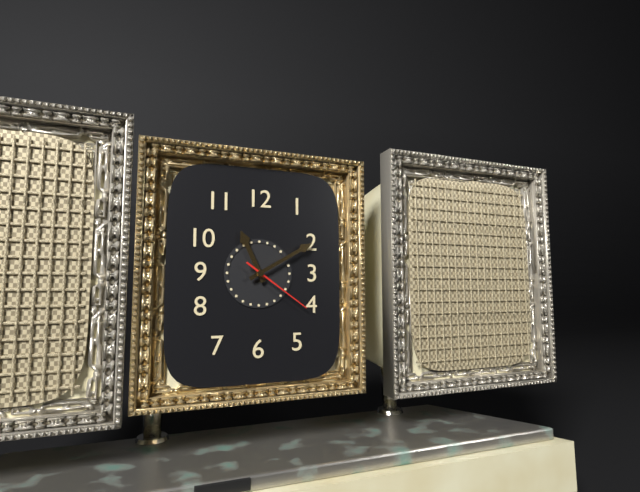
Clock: 11.10.21
